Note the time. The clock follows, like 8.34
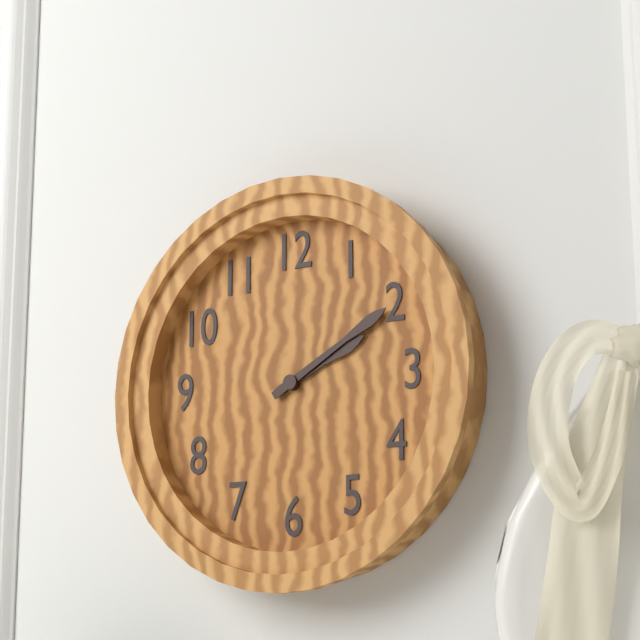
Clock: 2.10
